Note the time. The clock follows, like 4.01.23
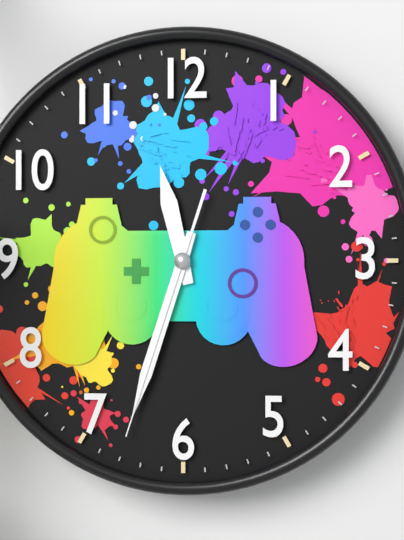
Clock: 11.33.33
